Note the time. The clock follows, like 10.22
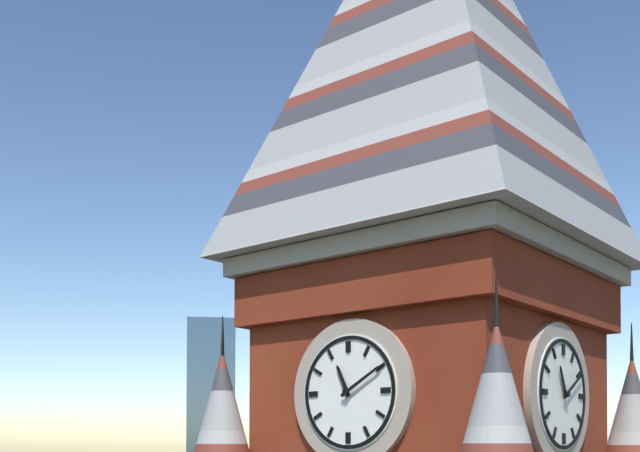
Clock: 11.10
